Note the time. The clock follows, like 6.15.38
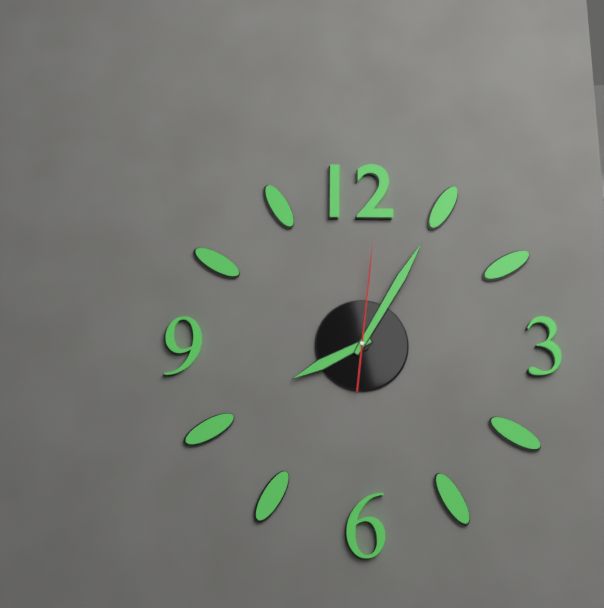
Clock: 8.05.01
